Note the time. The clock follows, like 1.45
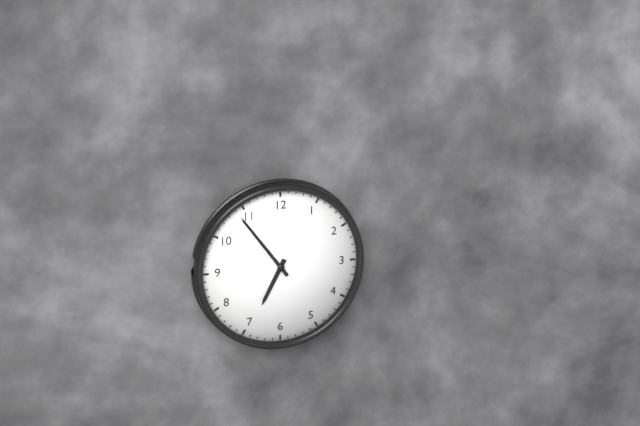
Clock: 6.54
